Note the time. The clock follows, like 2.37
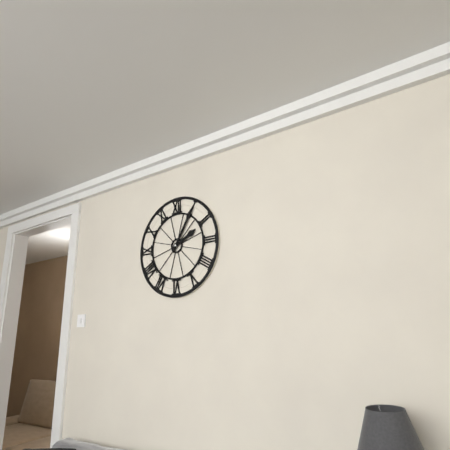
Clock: 2.05
